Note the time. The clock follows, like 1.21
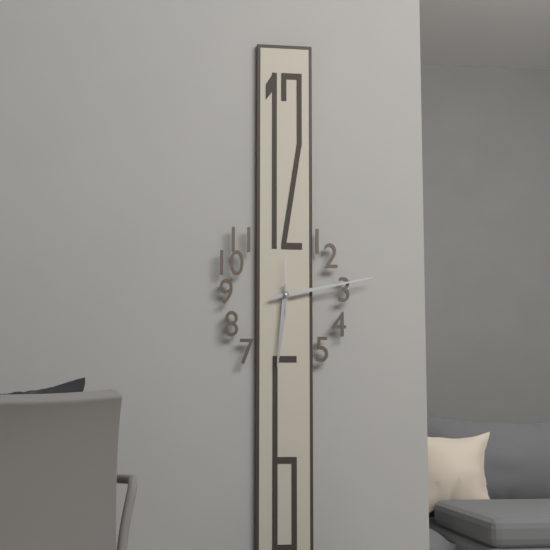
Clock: 6.13
